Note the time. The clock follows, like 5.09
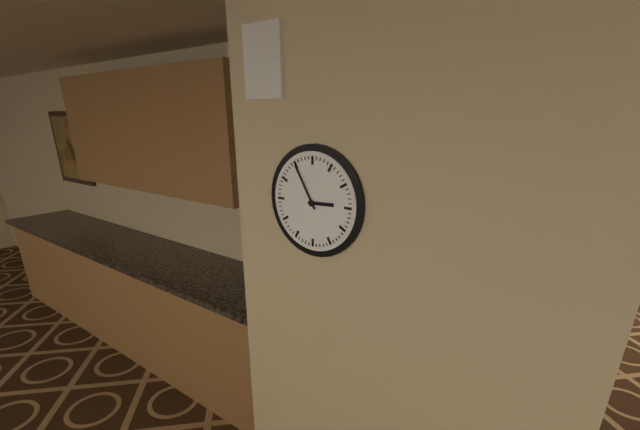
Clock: 2.55
